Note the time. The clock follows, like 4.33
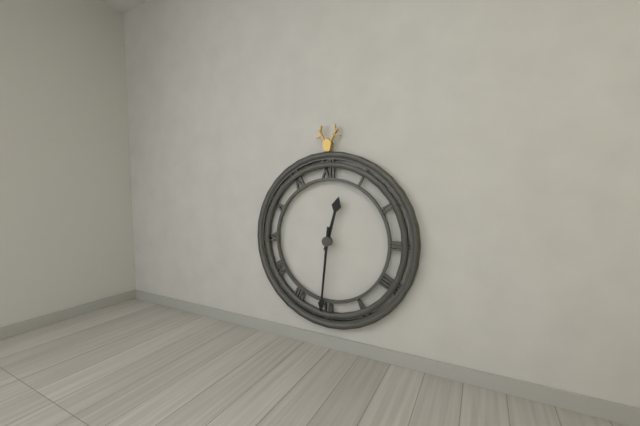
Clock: 12.31
